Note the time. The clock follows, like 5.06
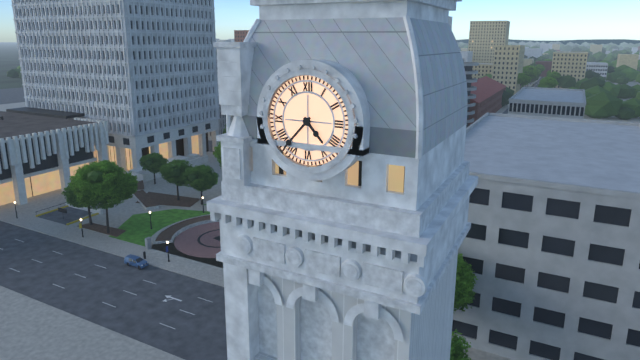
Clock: 4.37
